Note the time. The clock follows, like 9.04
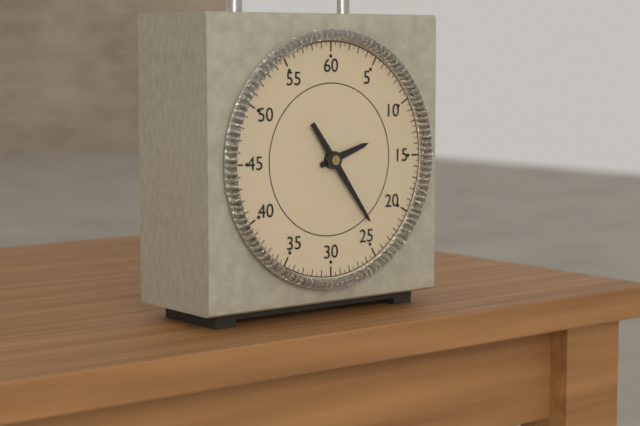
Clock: 2.24
